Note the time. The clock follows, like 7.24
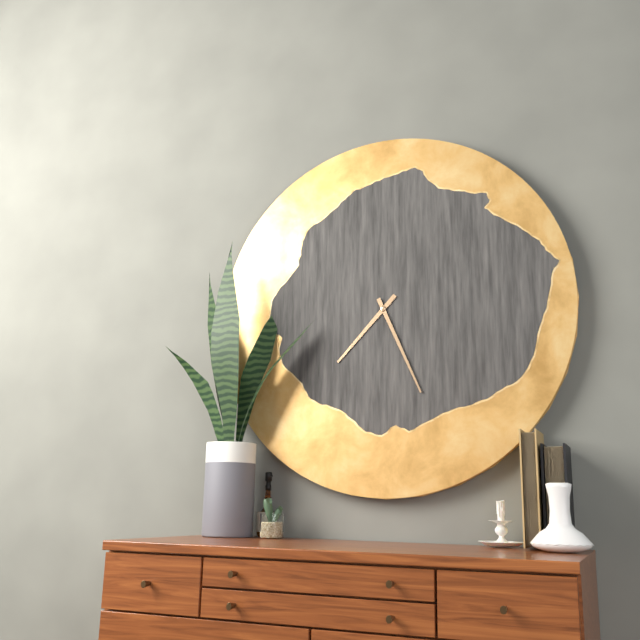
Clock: 7.26
